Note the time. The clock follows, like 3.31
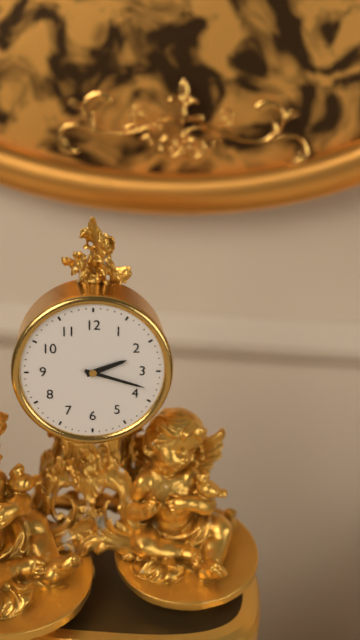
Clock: 2.18
